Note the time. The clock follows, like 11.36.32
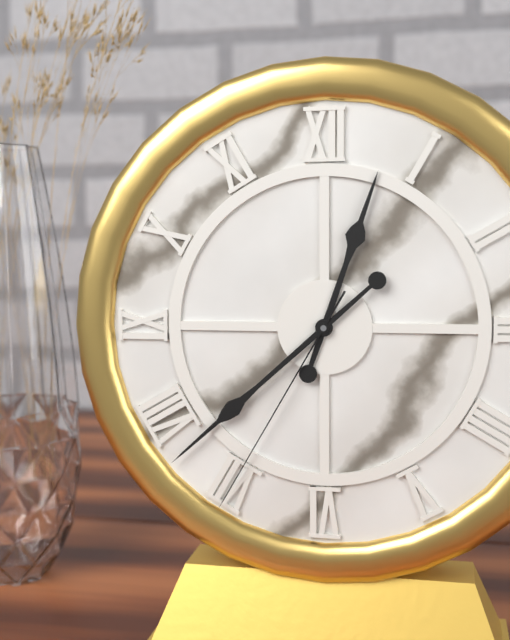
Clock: 12.38.35
